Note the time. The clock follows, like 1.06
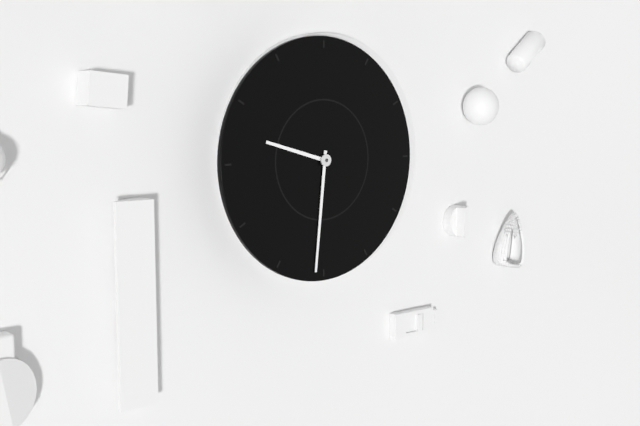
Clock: 9.31
